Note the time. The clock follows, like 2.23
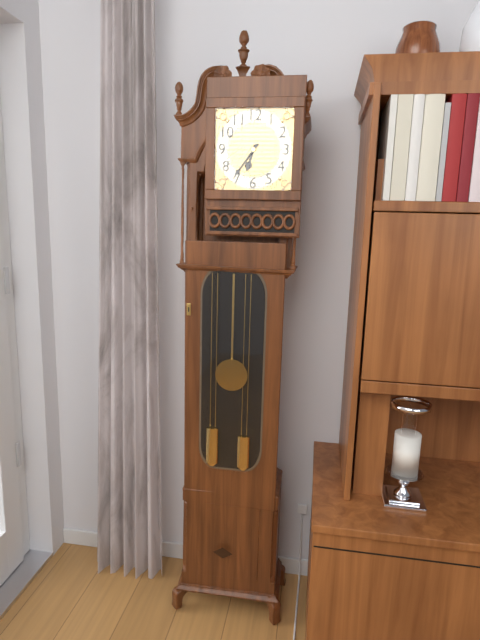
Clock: 6.36
